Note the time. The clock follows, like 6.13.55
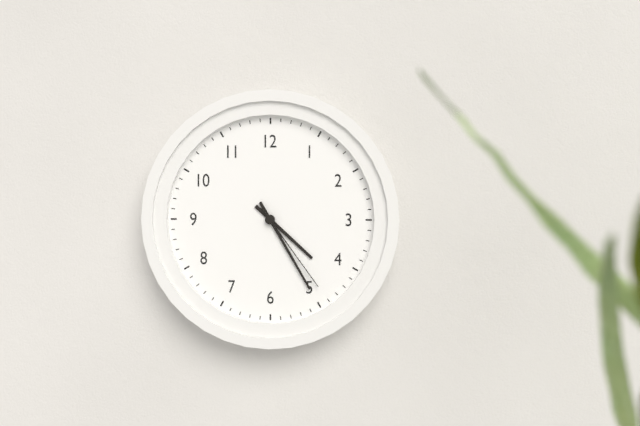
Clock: 4.25.24
